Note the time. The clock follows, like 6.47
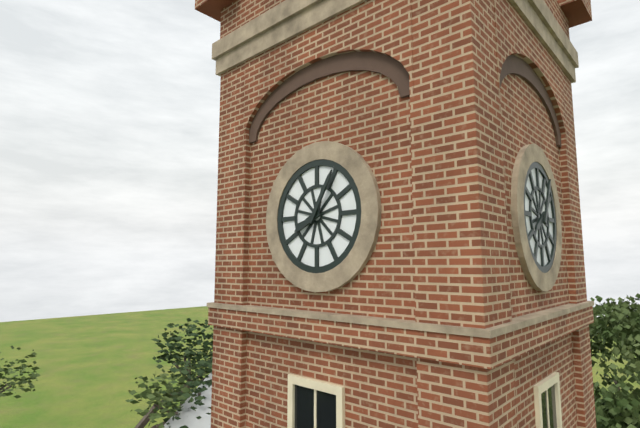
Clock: 8.05
